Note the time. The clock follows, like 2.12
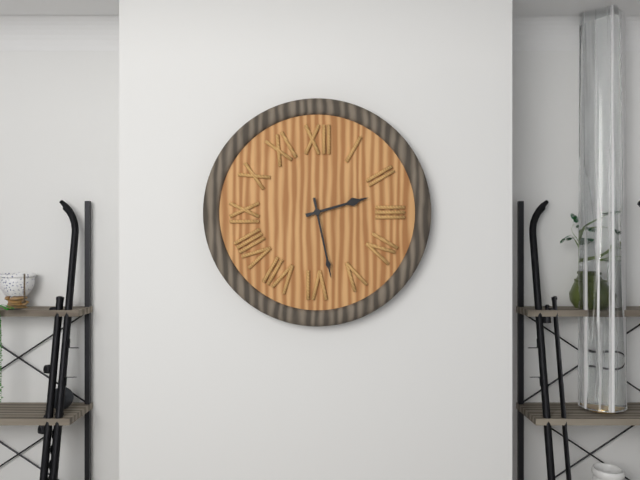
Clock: 2.28
